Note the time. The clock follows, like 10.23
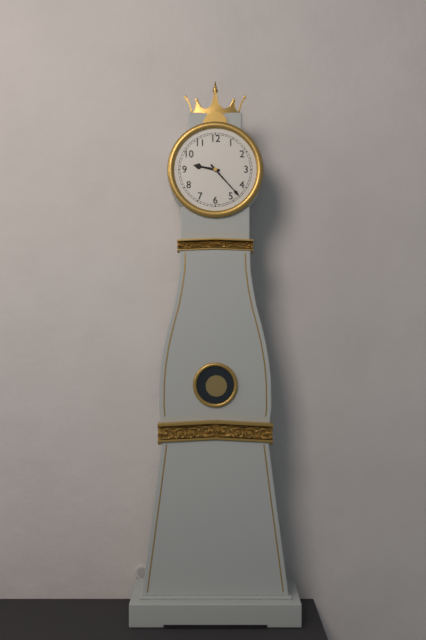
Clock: 9.23
